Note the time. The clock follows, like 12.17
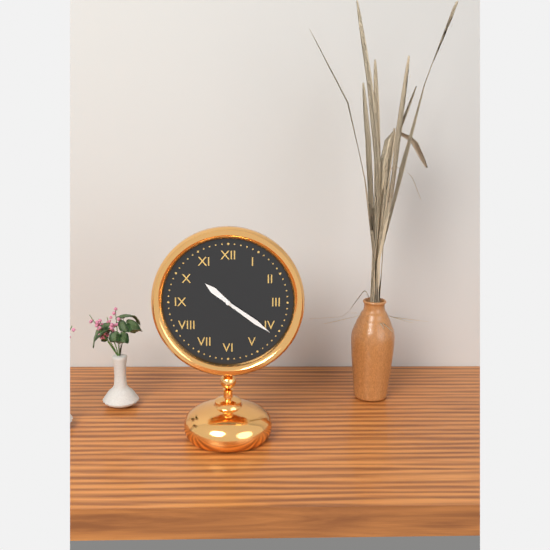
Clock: 10.21
